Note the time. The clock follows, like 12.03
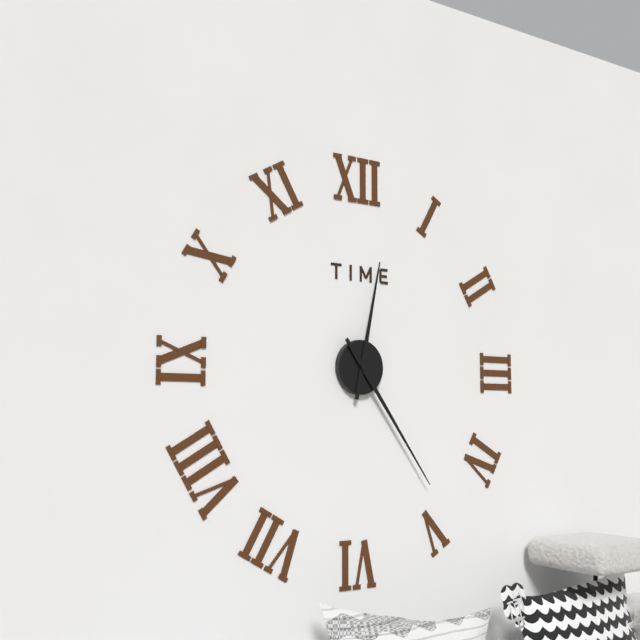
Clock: 12.24
